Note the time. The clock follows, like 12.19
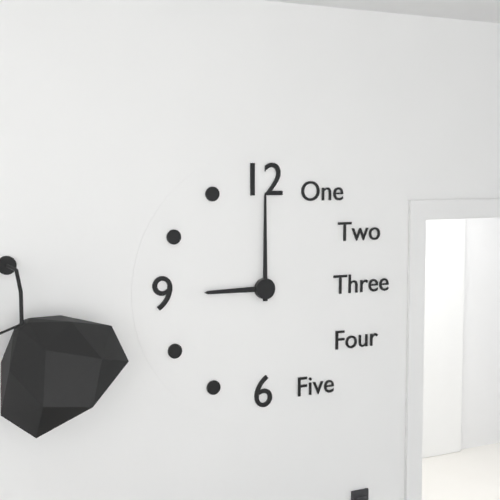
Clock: 9.00
